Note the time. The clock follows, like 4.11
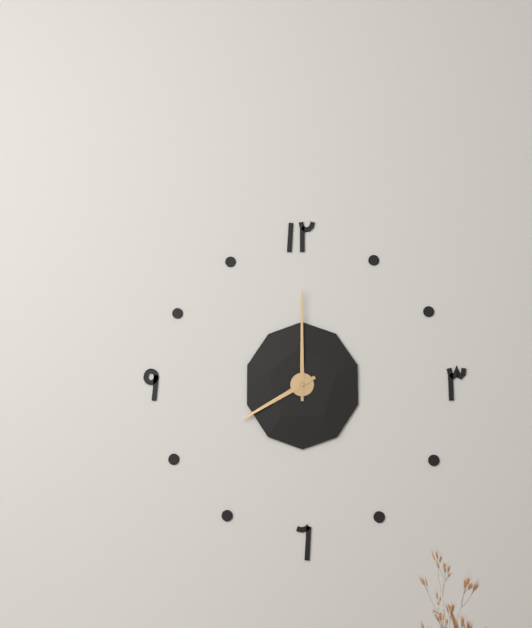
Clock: 8.00
